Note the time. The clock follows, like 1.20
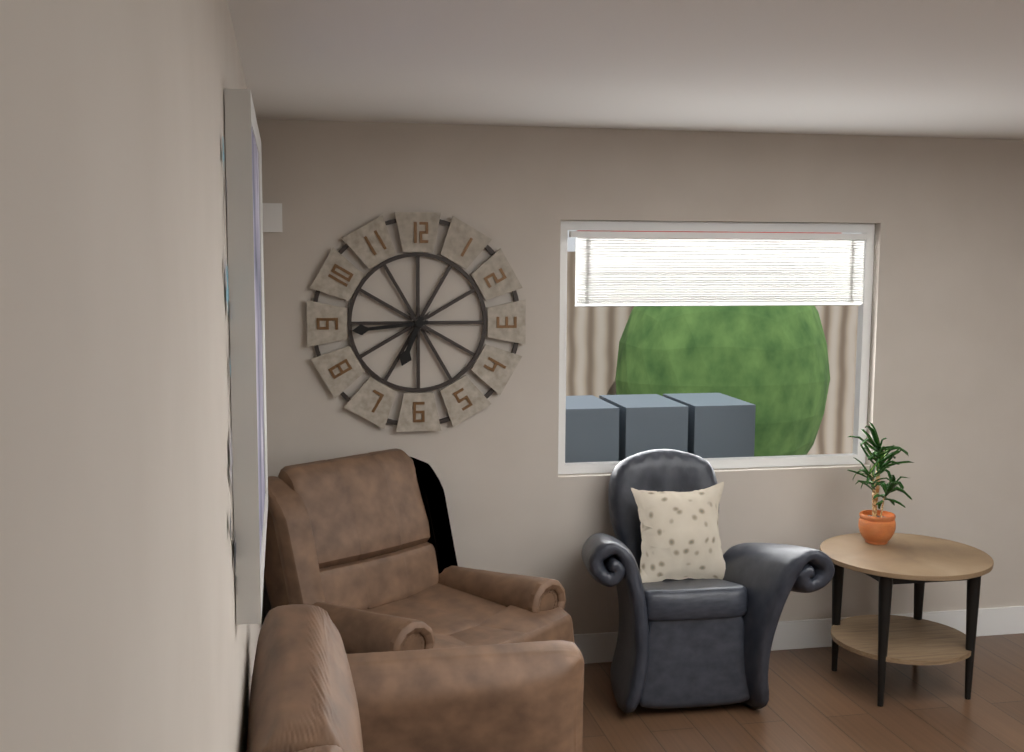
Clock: 6.44
